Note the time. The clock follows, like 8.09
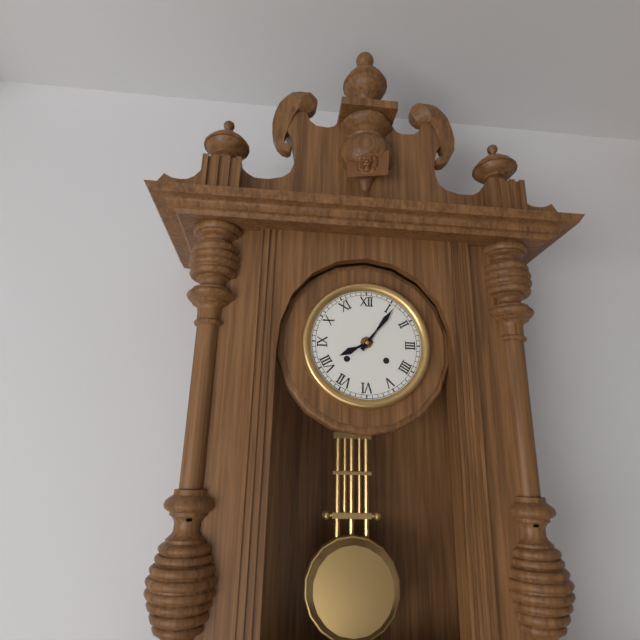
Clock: 8.06
